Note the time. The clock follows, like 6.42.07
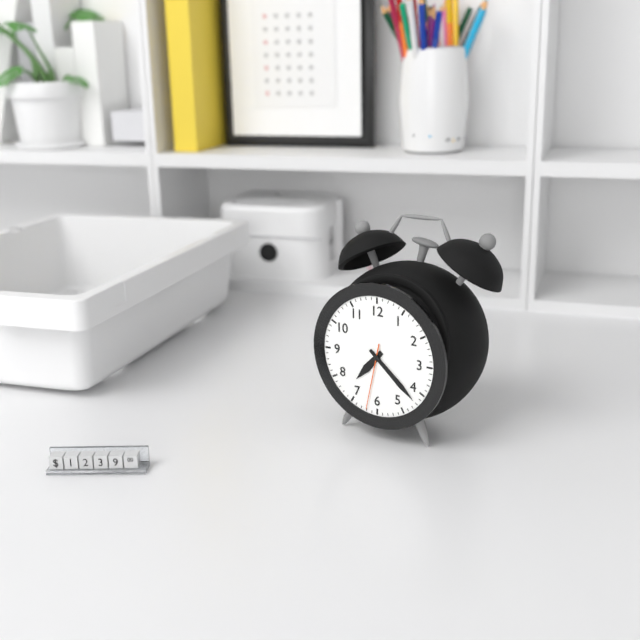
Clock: 7.22.32
